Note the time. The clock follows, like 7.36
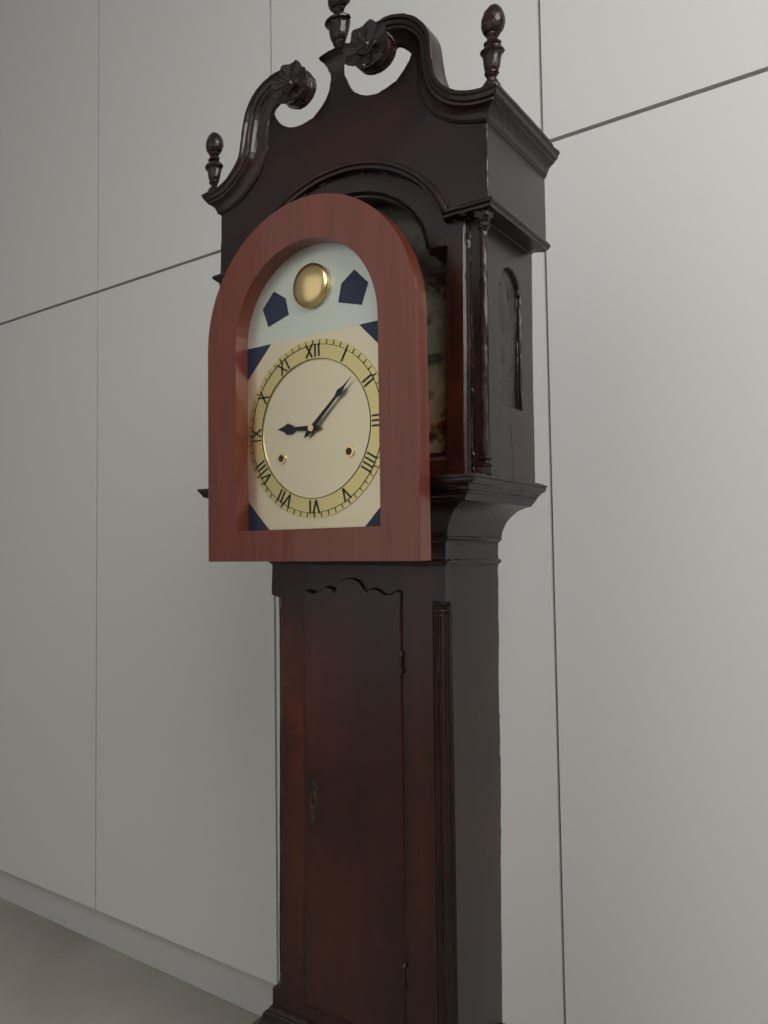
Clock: 9.08
